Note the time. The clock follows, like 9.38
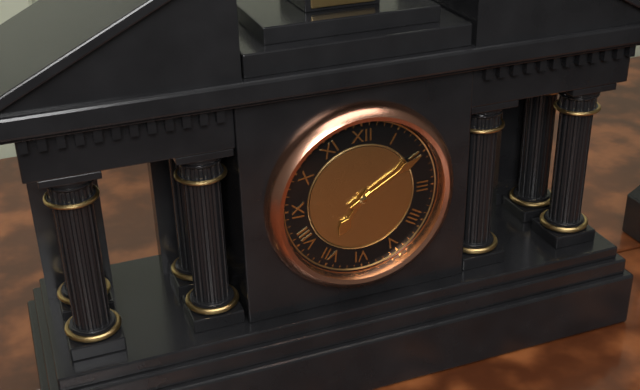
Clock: 7.10
